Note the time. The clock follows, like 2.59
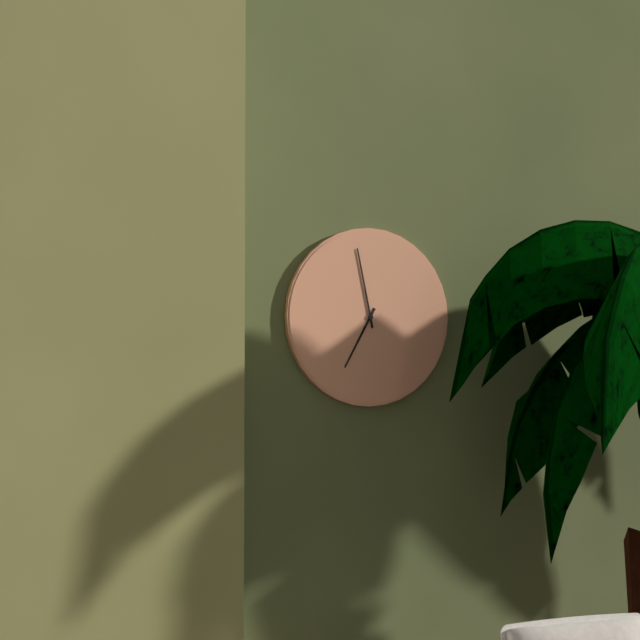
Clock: 6.58
